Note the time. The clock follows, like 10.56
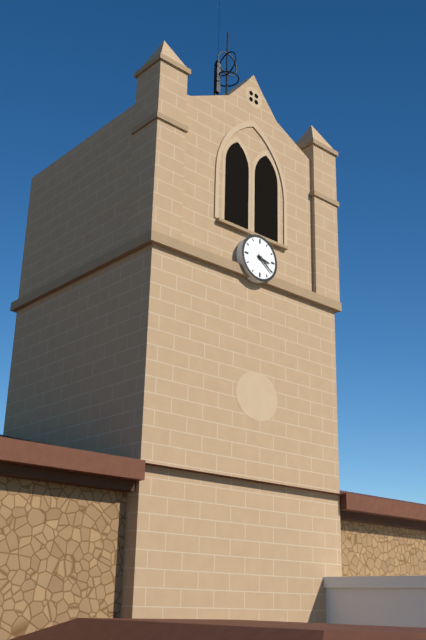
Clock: 3.21
